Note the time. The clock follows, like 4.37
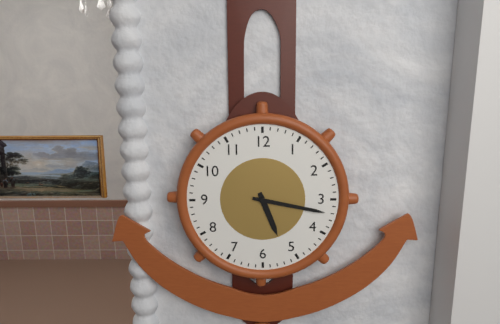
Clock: 5.17
